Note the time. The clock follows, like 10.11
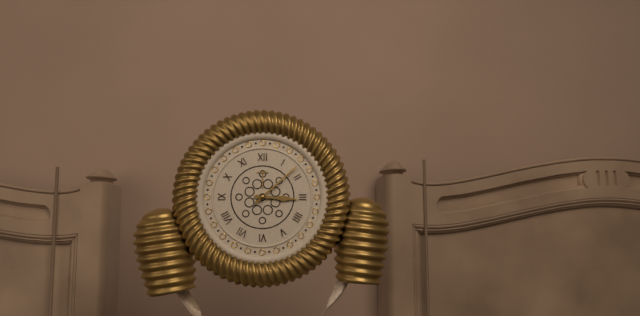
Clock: 3.08
